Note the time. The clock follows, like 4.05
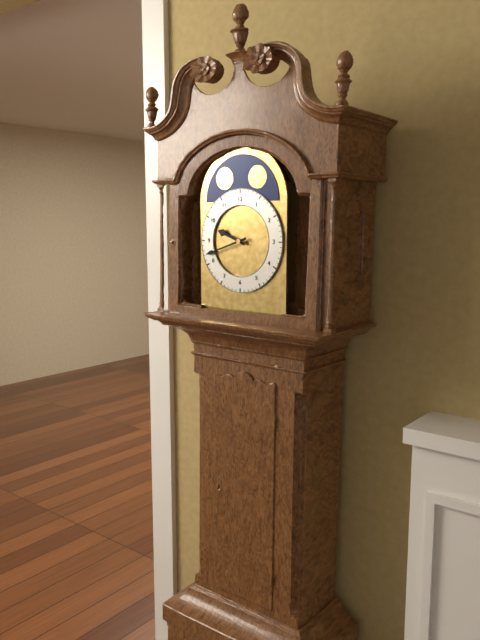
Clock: 9.42
